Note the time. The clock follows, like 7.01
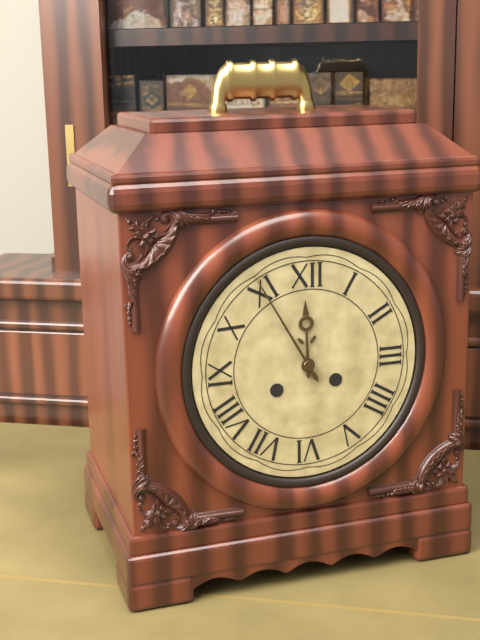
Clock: 11.55
